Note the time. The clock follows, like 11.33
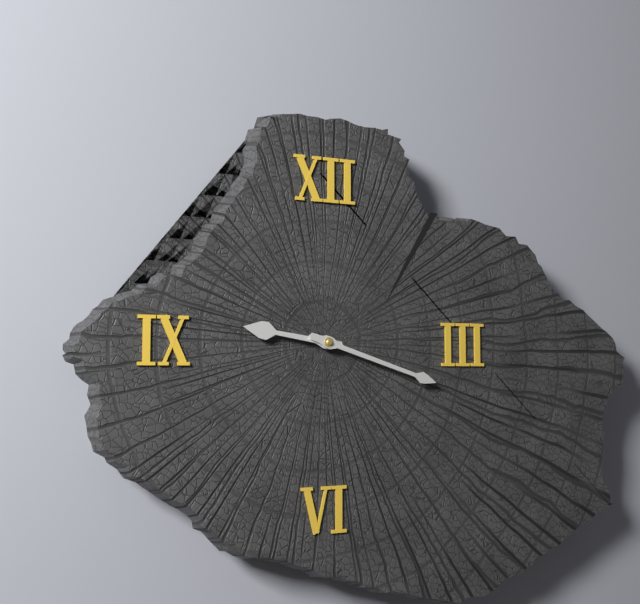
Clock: 9.18
